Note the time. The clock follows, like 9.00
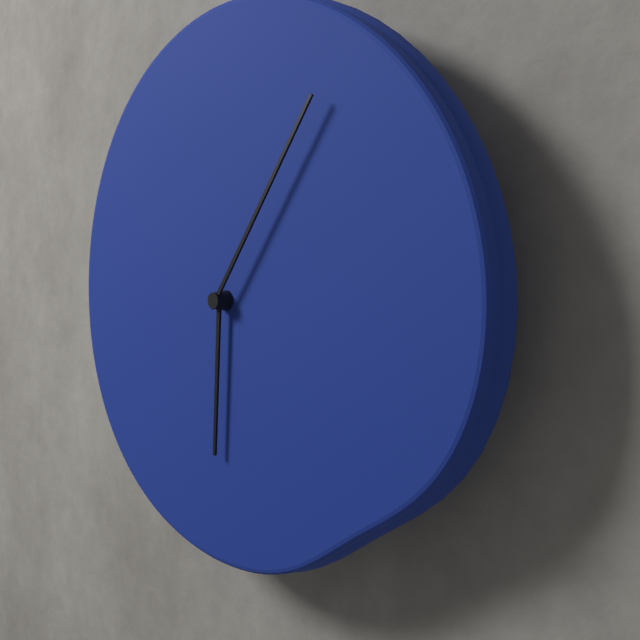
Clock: 6.06
